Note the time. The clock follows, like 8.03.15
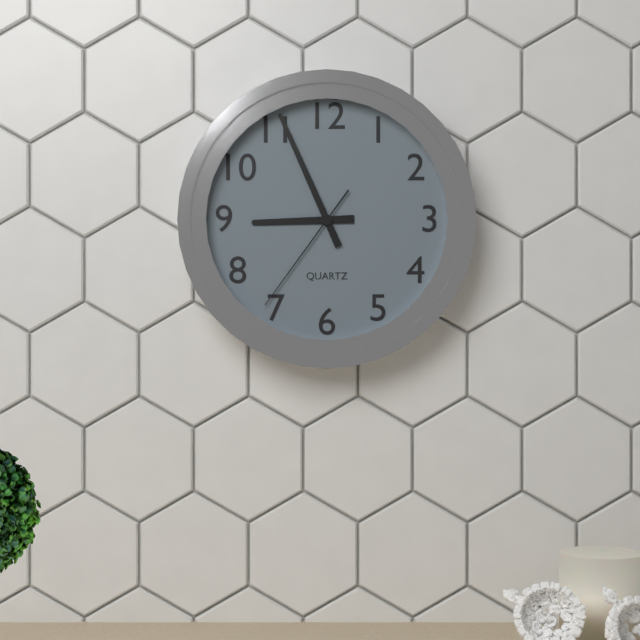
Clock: 8.56.36
